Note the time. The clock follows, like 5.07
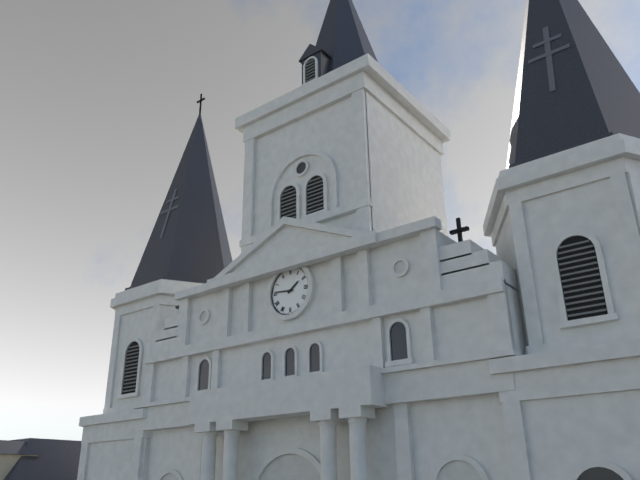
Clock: 1.46
